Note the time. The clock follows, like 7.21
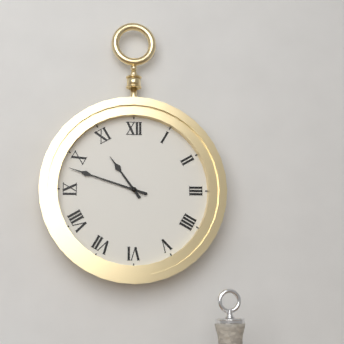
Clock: 10.48
